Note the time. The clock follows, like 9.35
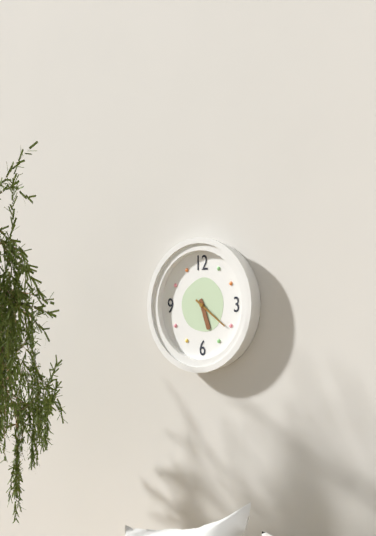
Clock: 5.21
